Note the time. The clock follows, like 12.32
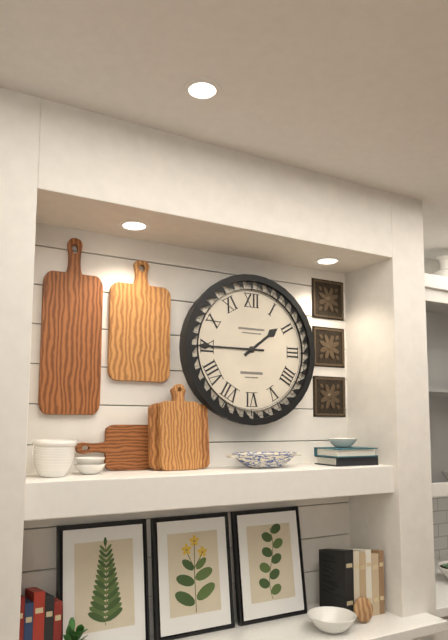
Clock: 1.45
